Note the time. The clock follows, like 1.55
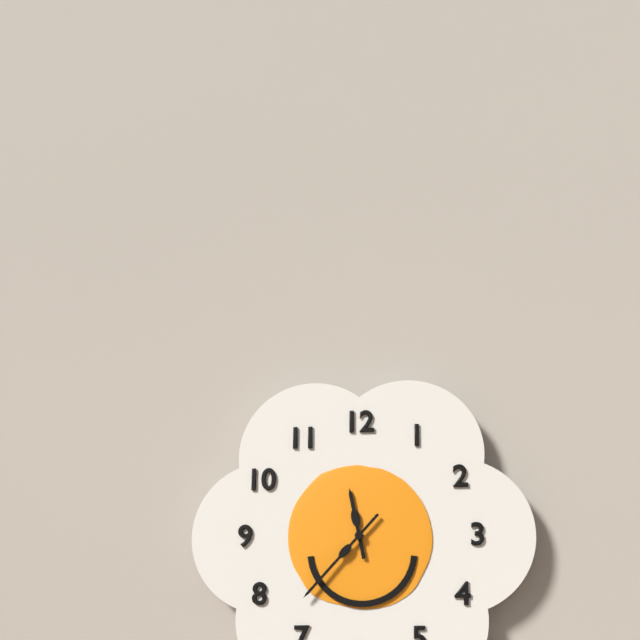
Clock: 11.37
